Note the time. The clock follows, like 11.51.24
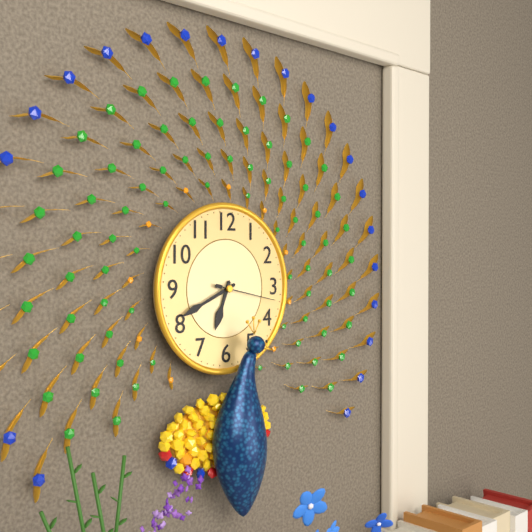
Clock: 6.41.17
